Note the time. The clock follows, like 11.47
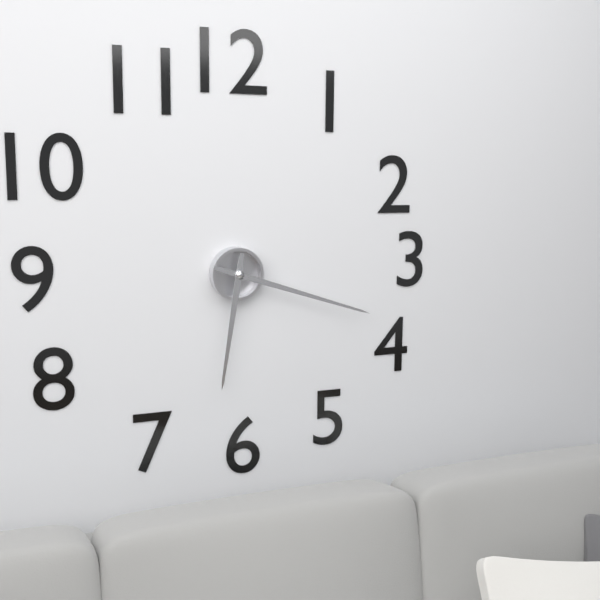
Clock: 6.18
